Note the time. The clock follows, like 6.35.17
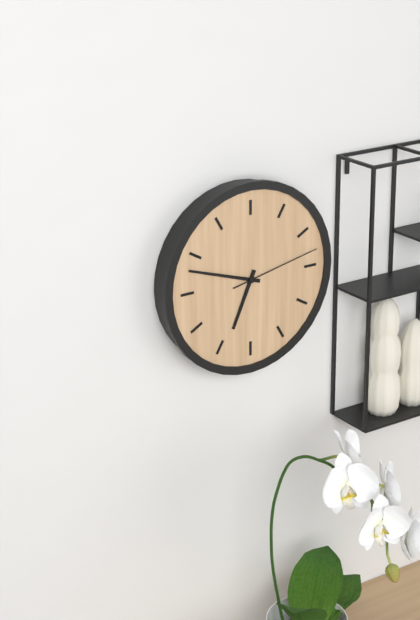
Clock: 6.48.13
